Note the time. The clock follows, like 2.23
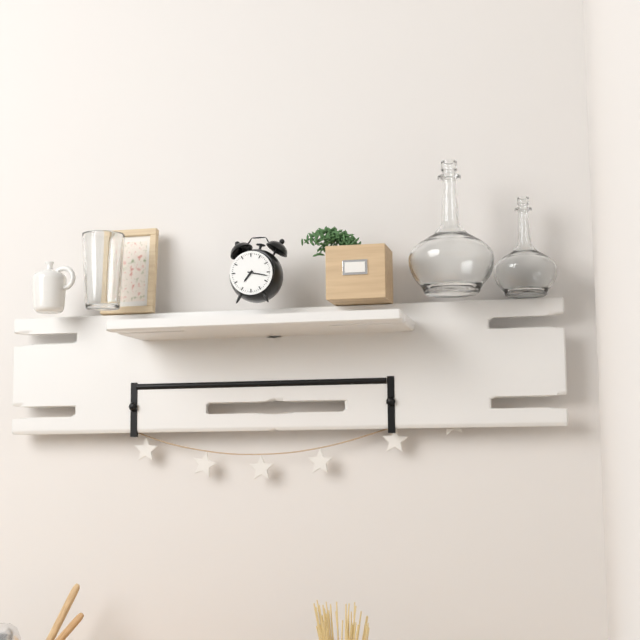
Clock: 7.17
